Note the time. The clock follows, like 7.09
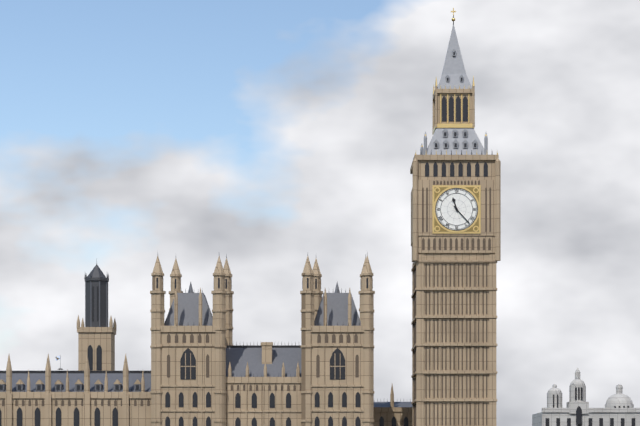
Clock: 11.23
